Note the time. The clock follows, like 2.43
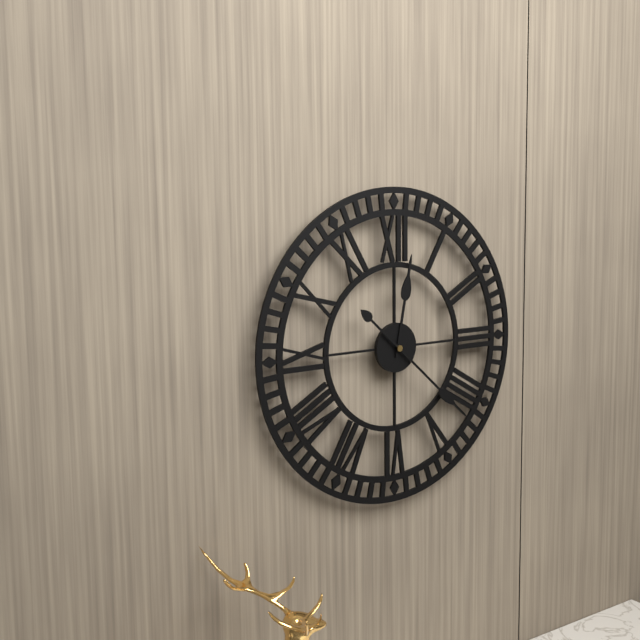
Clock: 12.22
